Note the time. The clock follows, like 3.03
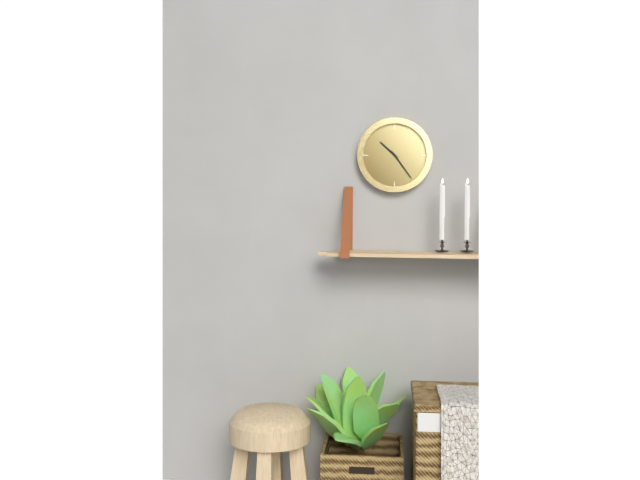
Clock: 10.24
